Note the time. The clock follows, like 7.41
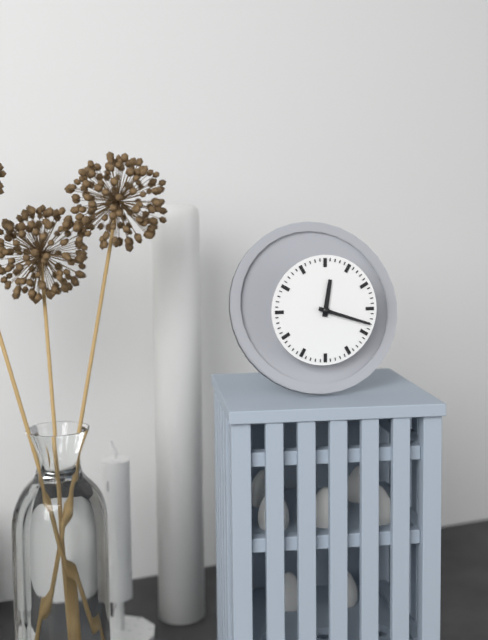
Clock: 12.18
